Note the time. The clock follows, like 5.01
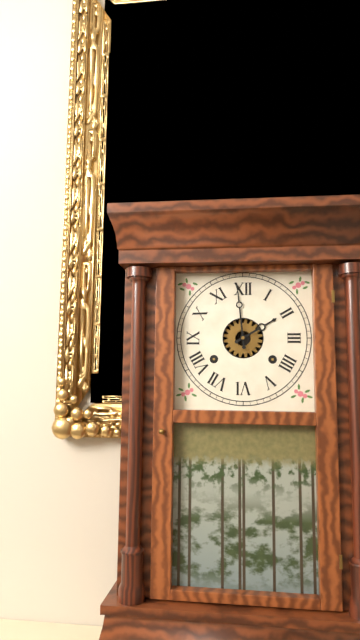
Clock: 1.59
